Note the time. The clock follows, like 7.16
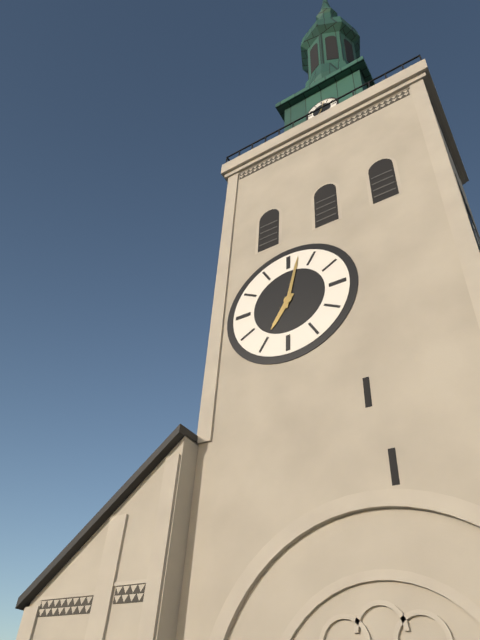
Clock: 7.02
